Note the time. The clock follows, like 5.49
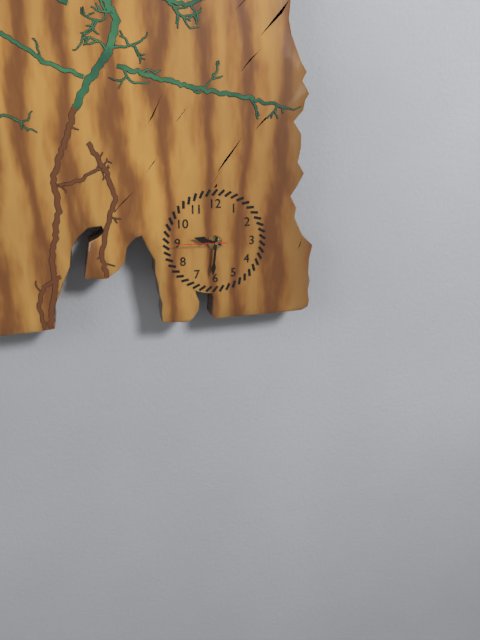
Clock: 9.31
